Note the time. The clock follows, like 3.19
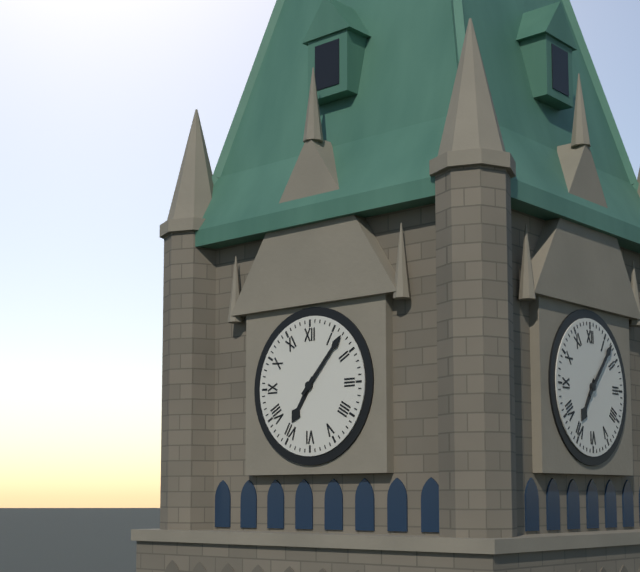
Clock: 7.07
